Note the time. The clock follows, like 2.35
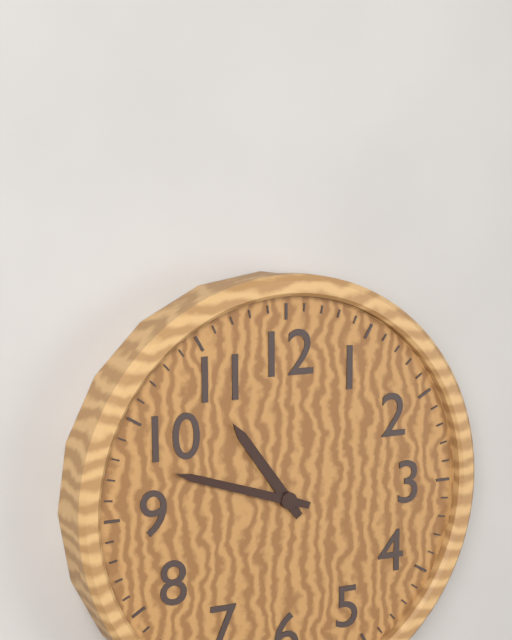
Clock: 10.48
